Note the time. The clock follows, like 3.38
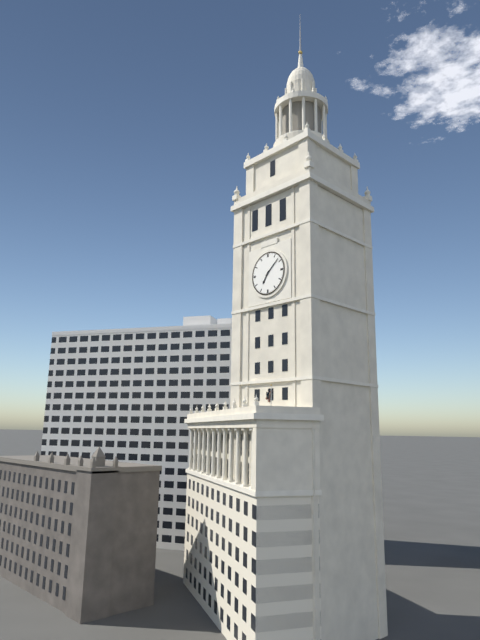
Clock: 7.08
